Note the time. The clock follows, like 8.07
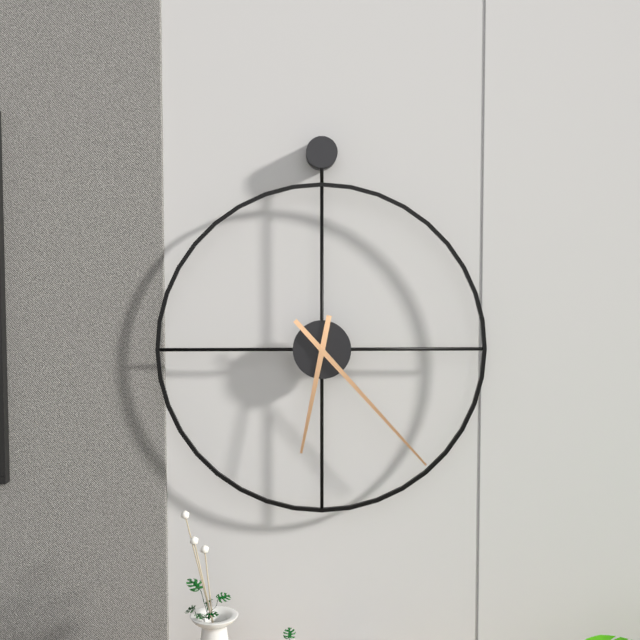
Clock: 6.23
